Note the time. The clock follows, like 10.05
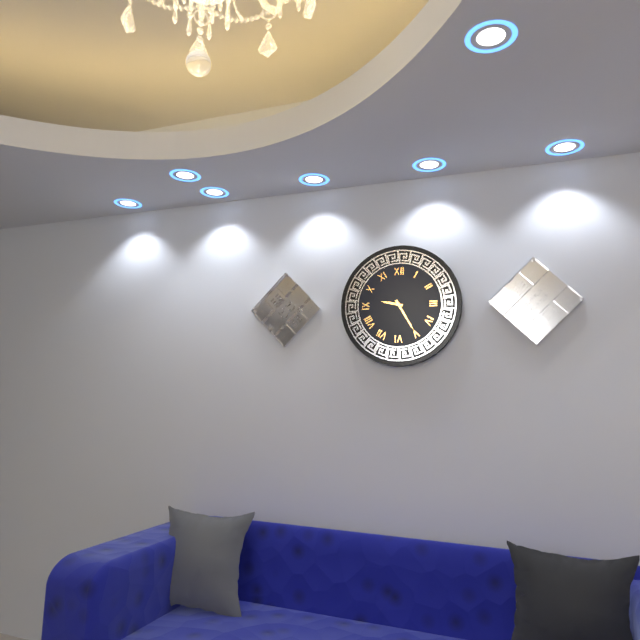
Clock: 9.25
